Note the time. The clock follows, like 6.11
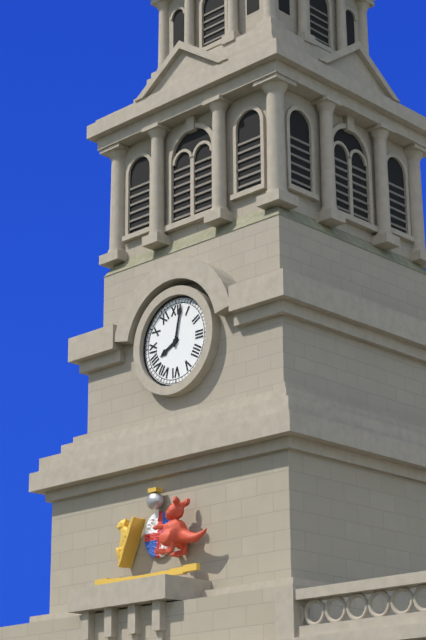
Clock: 8.02
